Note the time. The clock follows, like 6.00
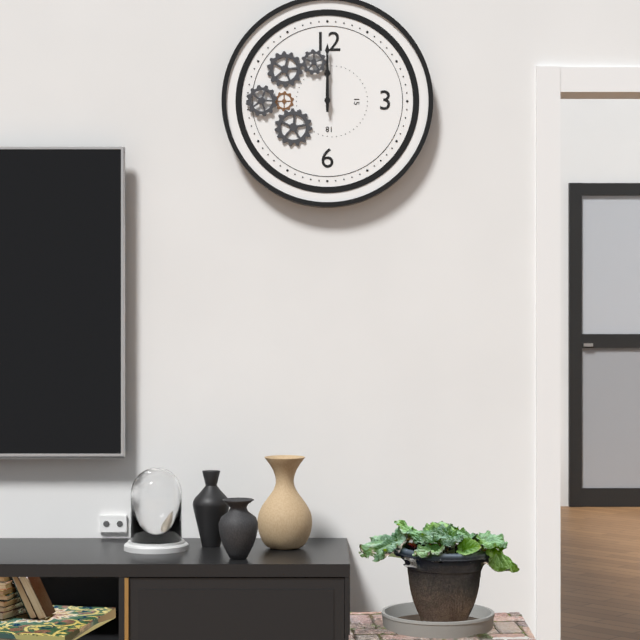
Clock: 12.00
